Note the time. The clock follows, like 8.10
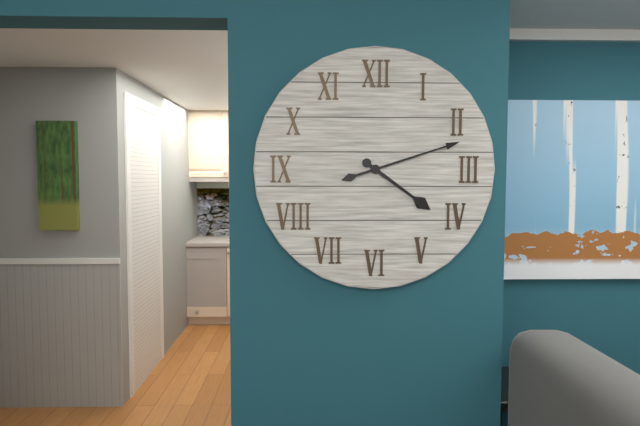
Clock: 4.12
